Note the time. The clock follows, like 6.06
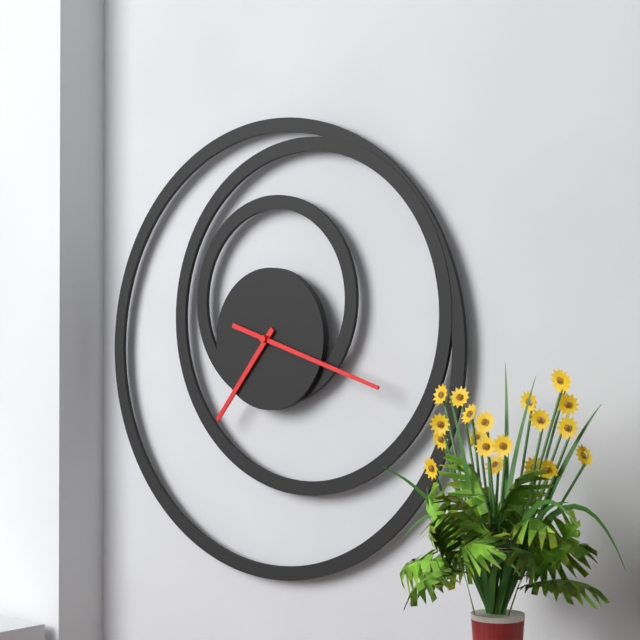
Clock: 7.18
